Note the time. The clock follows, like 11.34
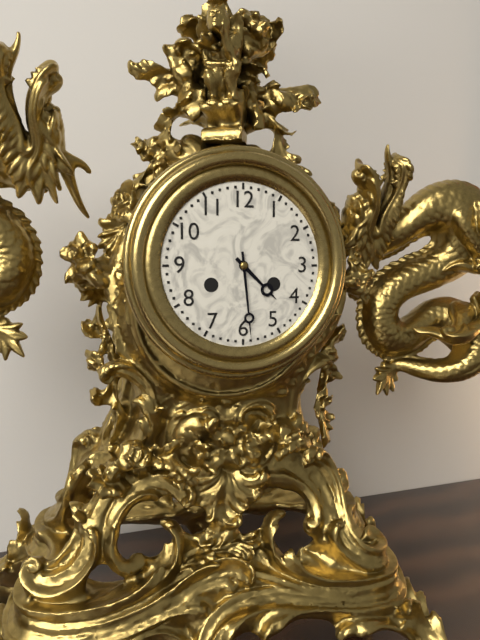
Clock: 4.29
